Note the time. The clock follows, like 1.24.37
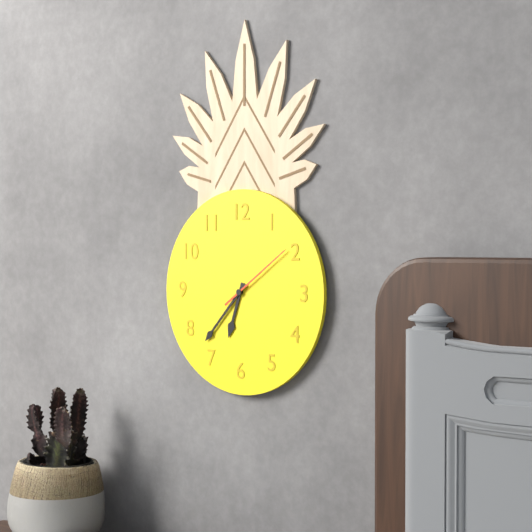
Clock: 6.37.09
